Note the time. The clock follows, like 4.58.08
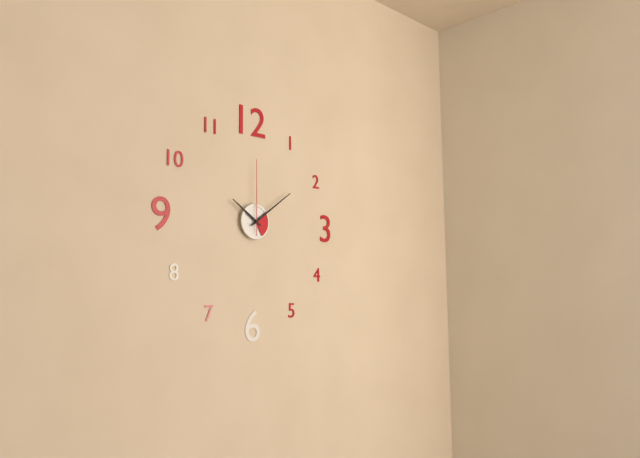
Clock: 10.09.00
